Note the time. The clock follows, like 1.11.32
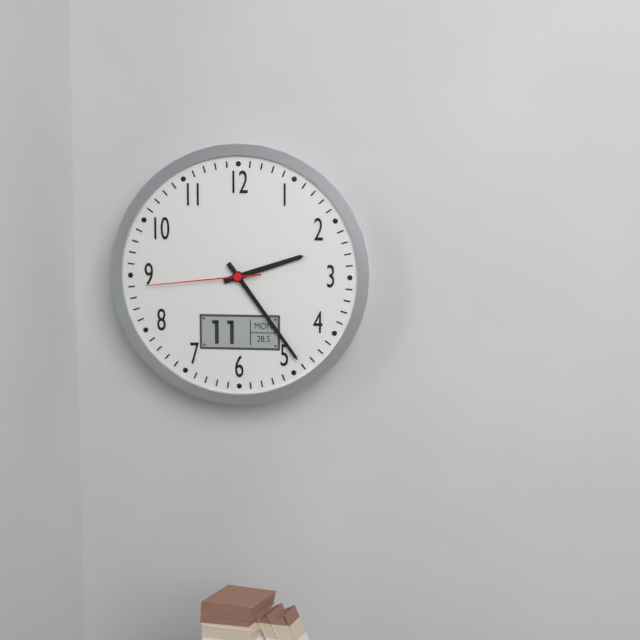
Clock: 2.24.44
